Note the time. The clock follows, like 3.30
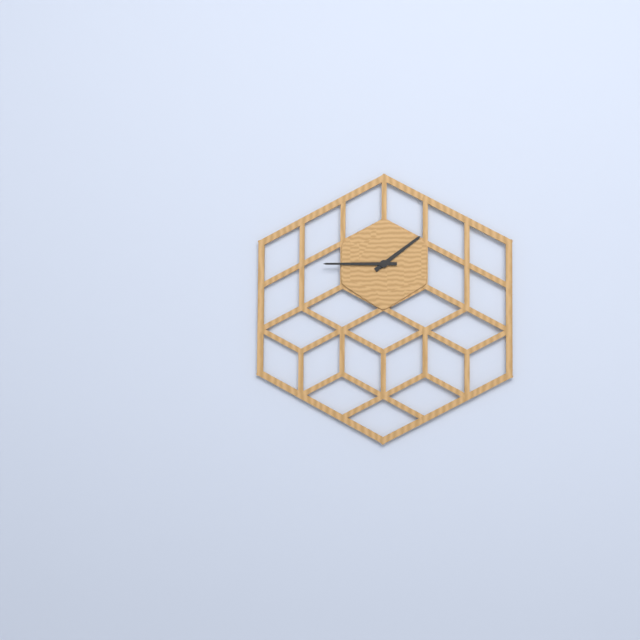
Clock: 1.45
